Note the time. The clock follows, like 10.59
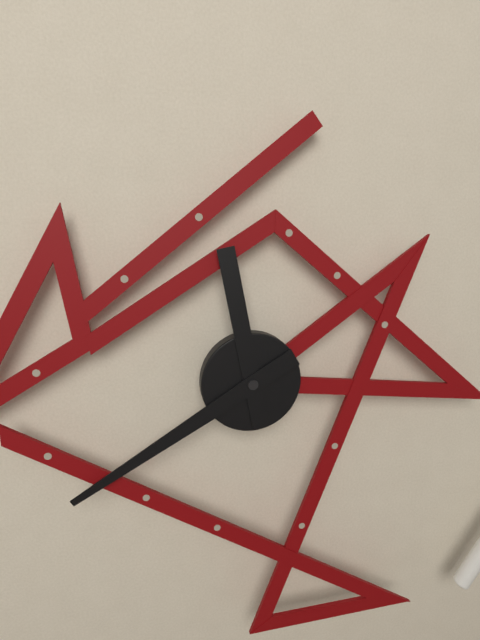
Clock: 11.40
